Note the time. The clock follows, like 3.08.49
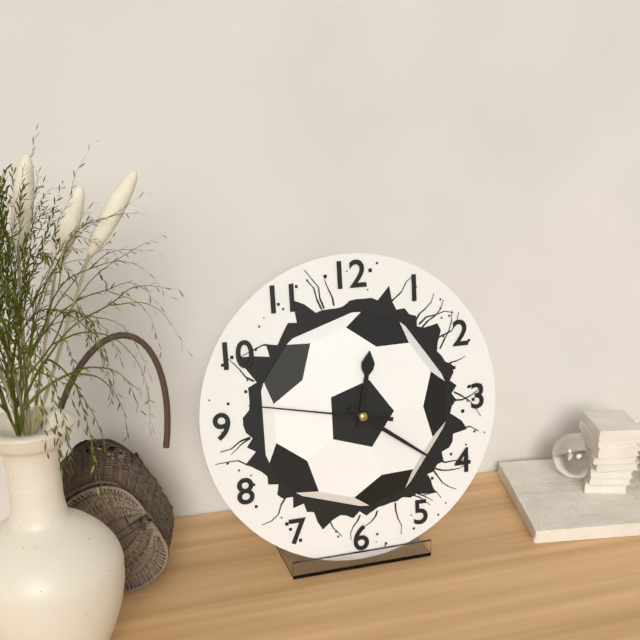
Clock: 12.21.47
